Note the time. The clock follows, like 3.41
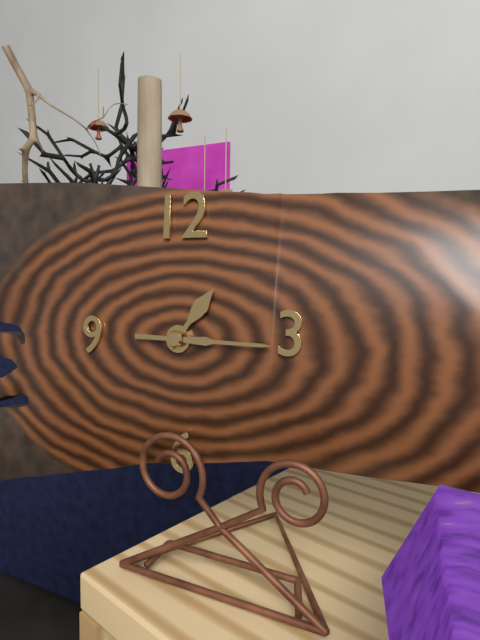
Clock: 1.15
